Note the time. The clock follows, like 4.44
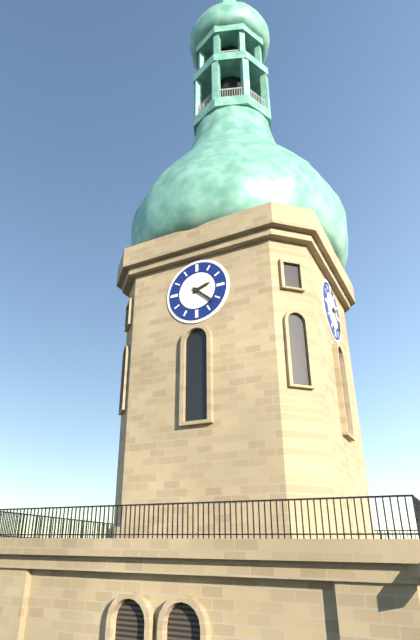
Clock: 2.22
